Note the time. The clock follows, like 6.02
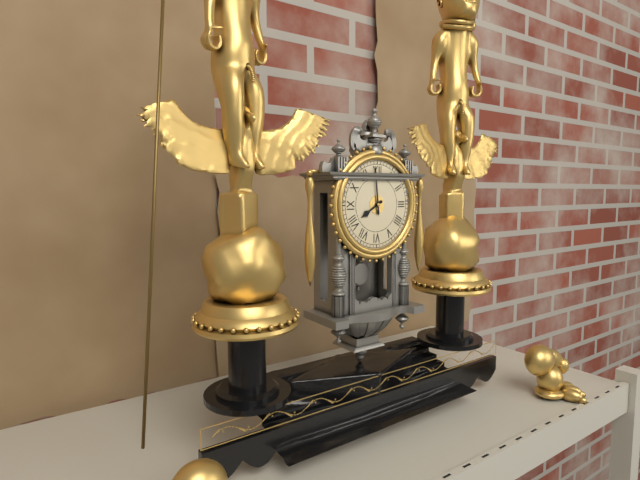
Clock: 7.59
